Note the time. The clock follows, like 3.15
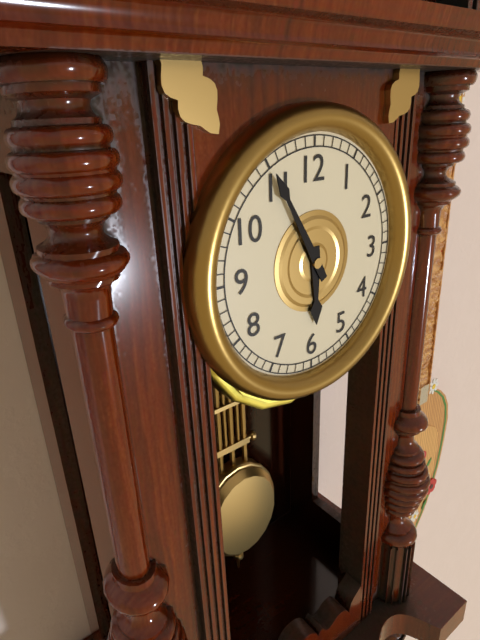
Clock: 5.55
